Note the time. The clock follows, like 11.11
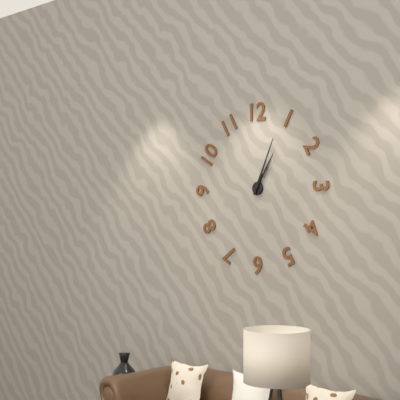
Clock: 1.04
